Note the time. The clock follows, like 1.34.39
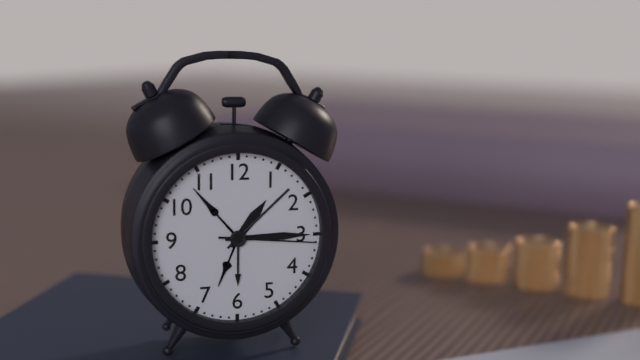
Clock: 1.15.16
